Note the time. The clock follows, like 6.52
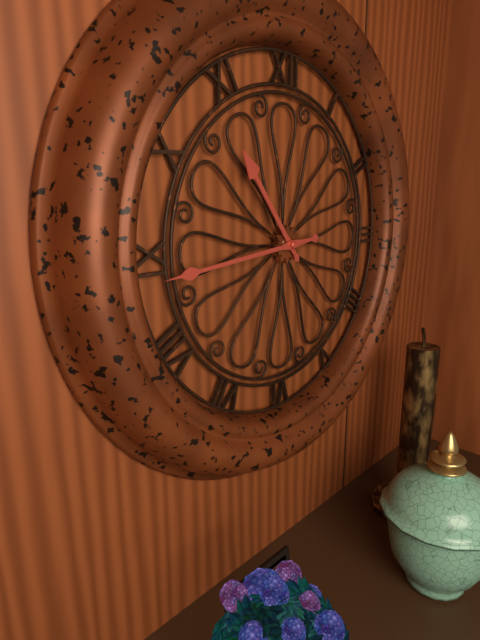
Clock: 10.44
